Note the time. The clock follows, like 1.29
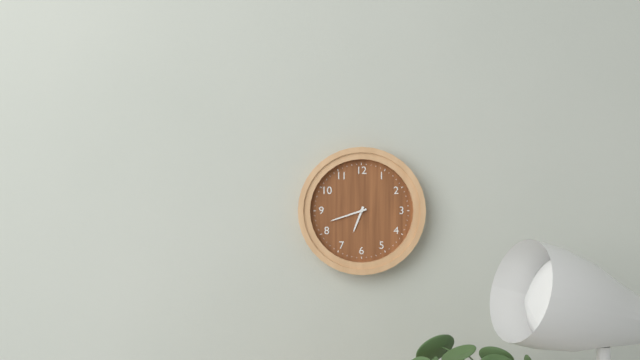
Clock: 6.42
